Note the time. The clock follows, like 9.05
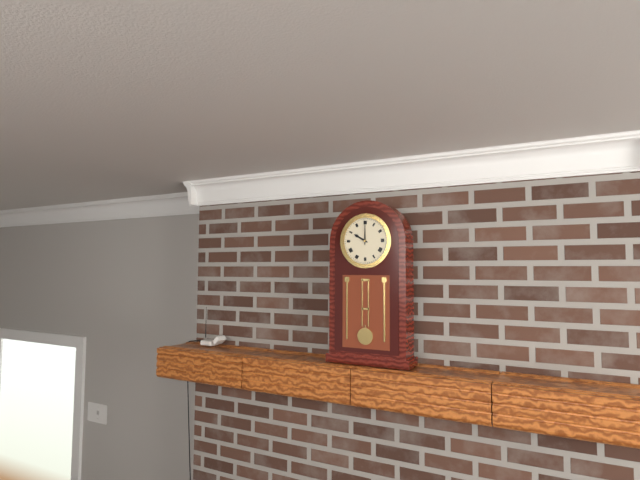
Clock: 10.00
